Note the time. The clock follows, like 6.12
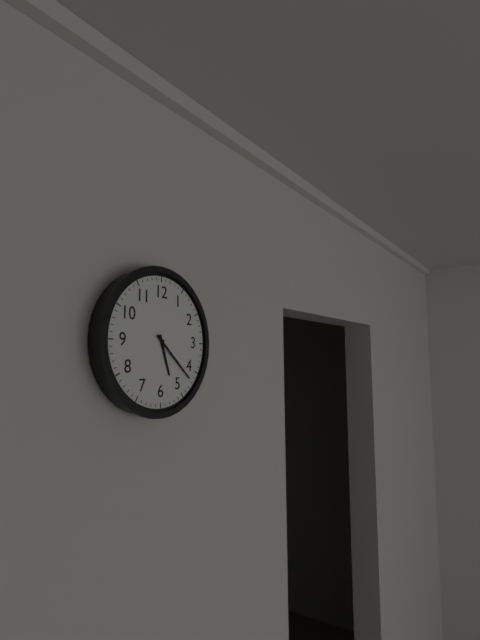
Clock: 5.22
